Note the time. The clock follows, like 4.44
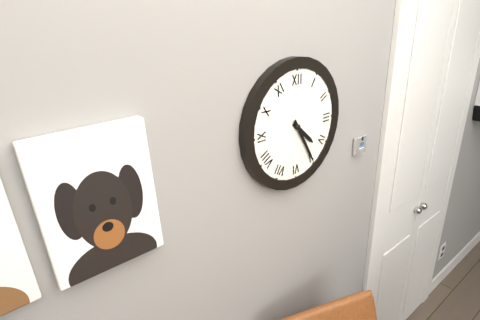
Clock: 4.25
